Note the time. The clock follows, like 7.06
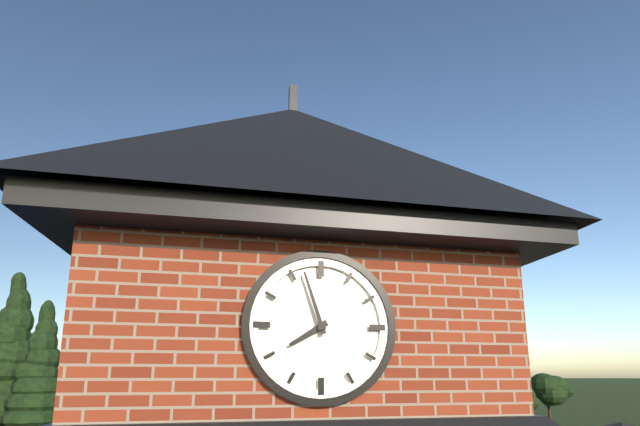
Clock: 7.57
